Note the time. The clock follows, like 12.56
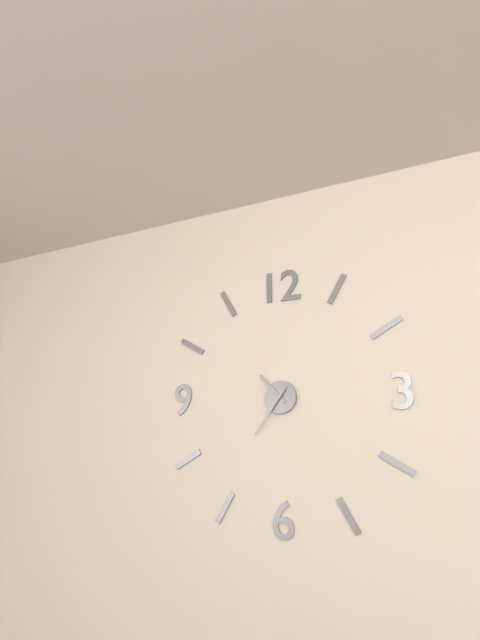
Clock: 10.36
